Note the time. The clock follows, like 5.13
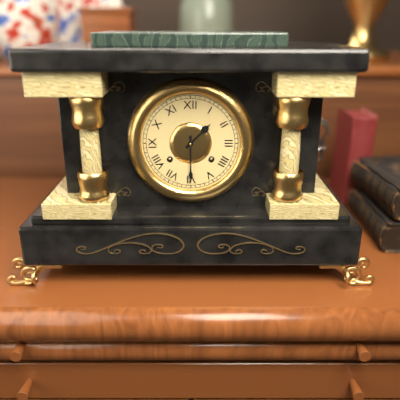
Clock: 1.30
